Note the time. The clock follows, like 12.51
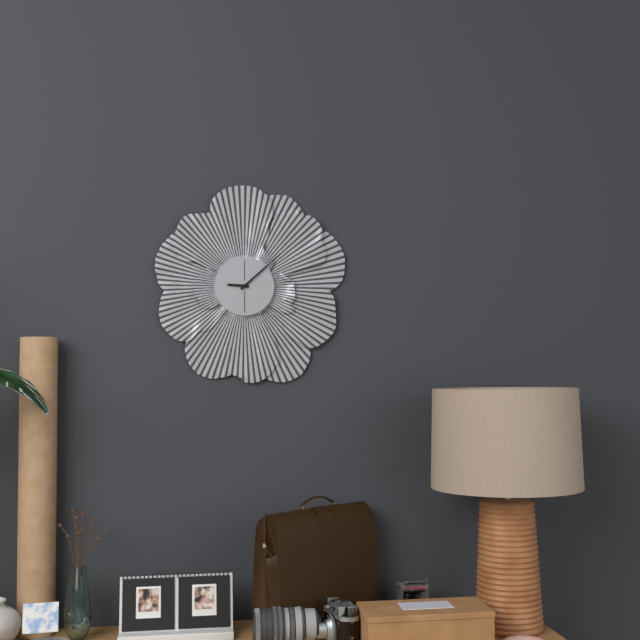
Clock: 9.08
